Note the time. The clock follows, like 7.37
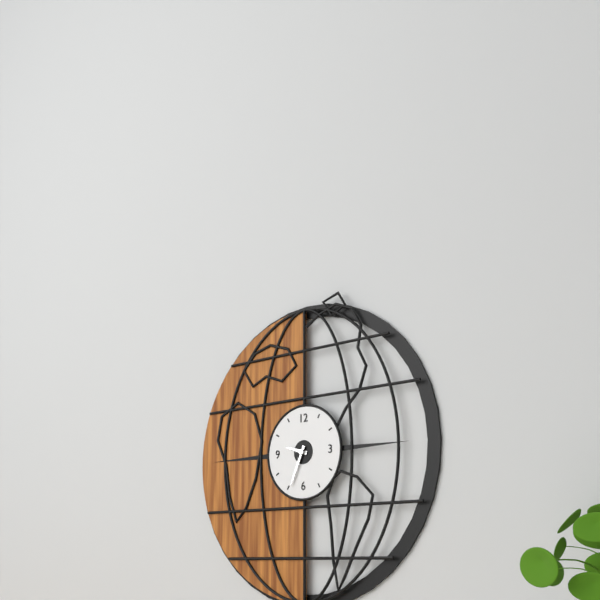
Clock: 9.34
